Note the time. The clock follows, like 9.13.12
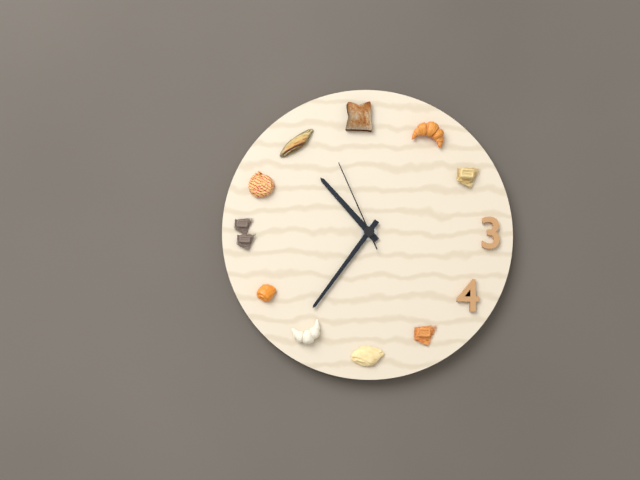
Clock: 10.36.56
